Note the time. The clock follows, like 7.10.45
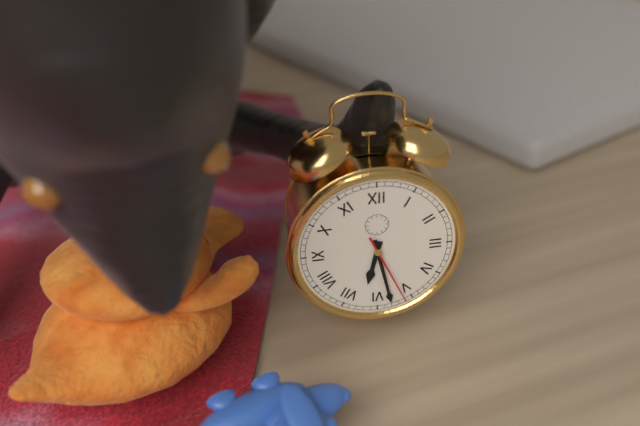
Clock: 6.28.26
